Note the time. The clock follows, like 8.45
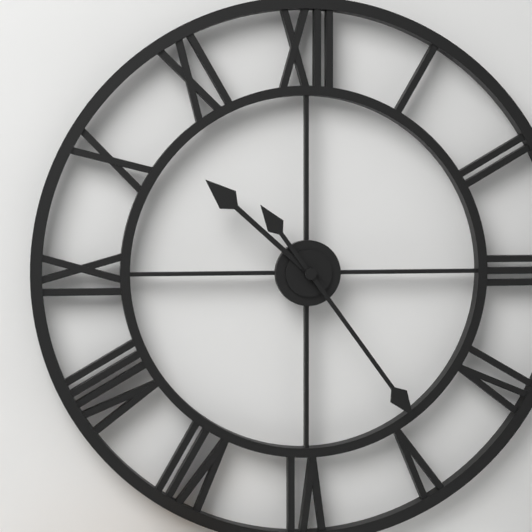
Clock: 10.24
